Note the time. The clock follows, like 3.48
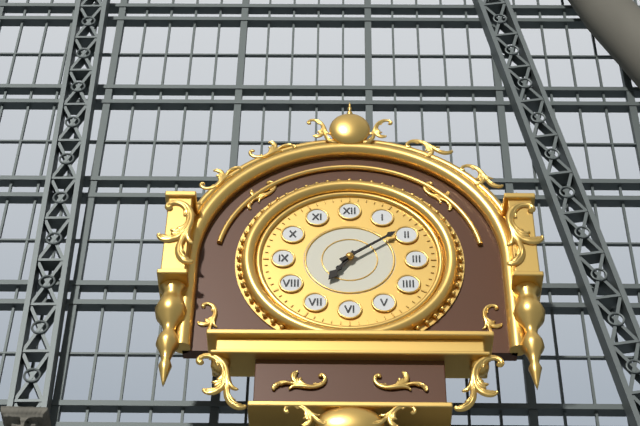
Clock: 7.09
